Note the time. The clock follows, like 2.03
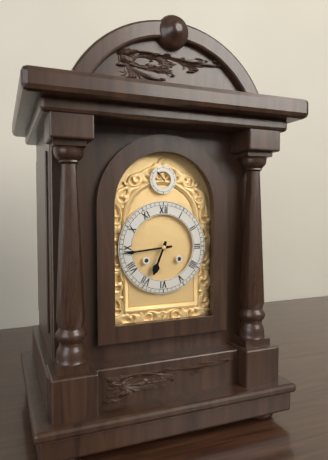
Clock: 6.44
